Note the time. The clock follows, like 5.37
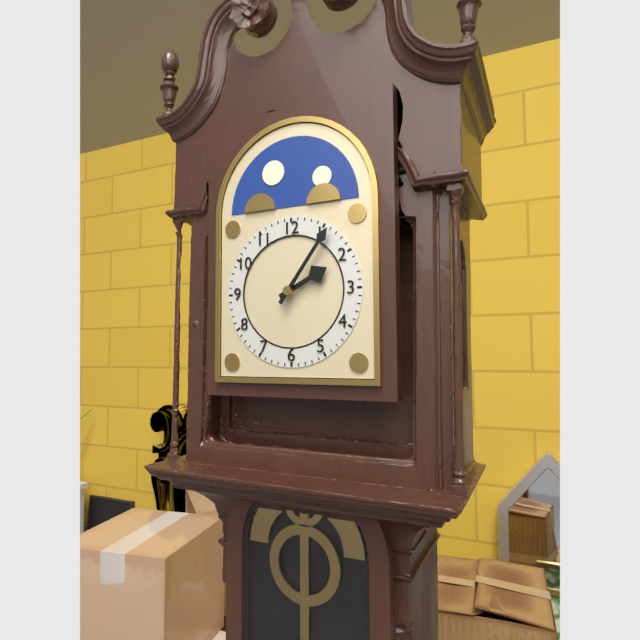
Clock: 2.06
